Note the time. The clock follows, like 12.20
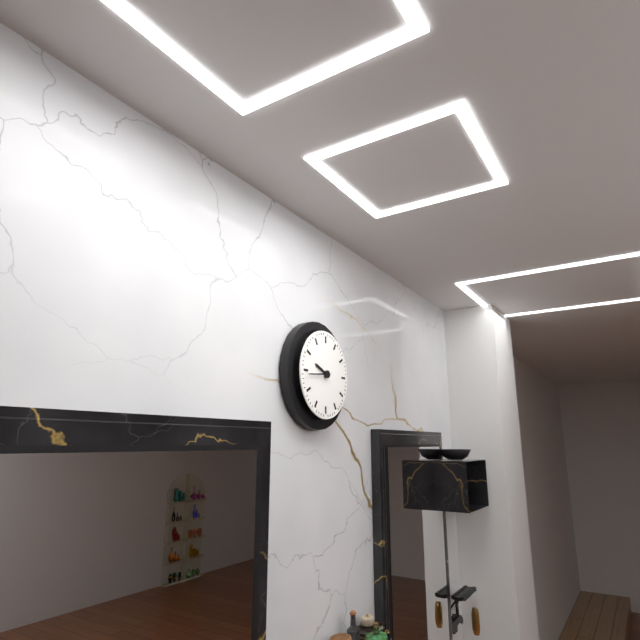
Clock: 9.44
